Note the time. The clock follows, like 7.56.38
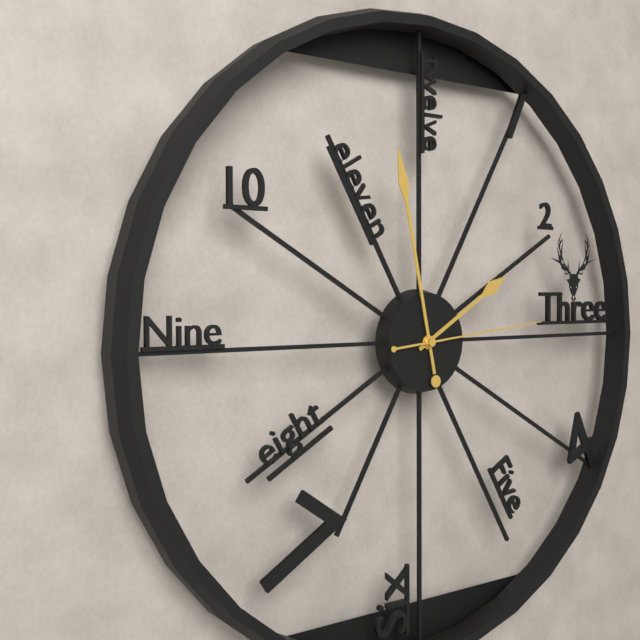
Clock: 1.58.14
